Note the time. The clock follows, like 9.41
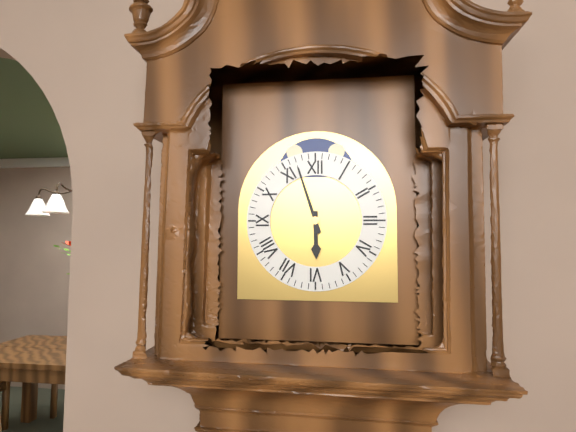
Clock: 5.57
